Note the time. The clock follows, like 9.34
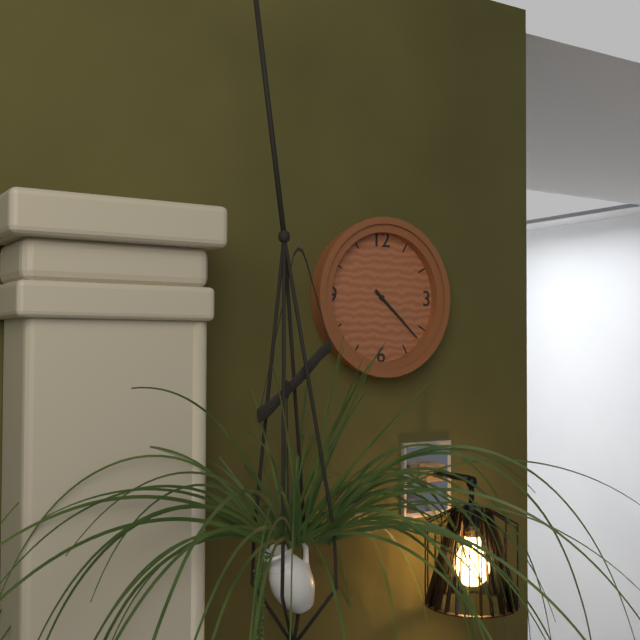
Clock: 4.22
